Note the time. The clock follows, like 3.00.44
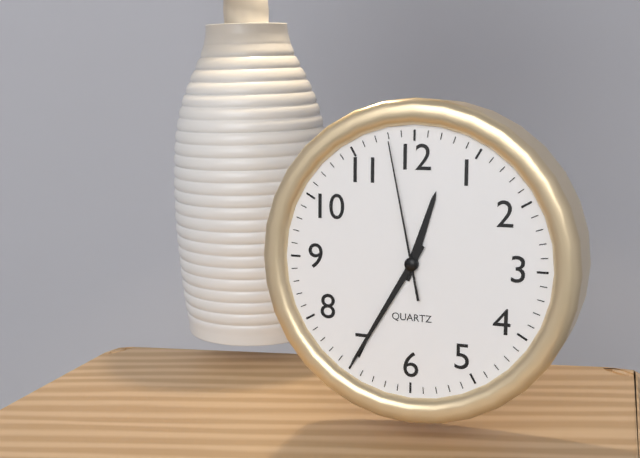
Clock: 12.35.58
